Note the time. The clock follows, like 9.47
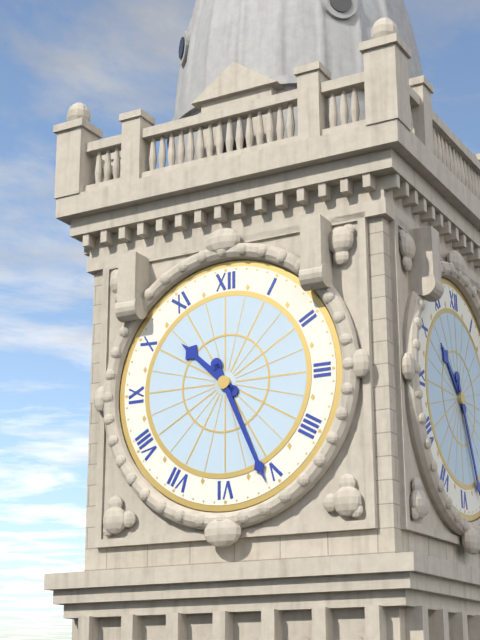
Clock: 10.26
